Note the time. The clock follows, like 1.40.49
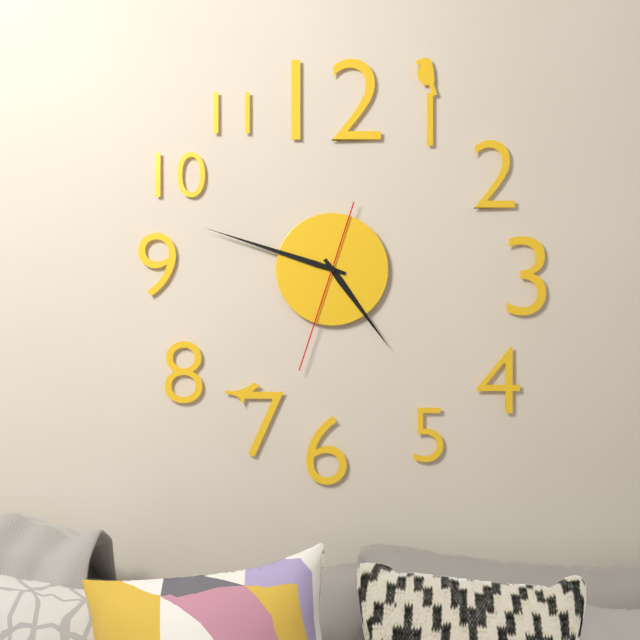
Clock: 4.48.33
